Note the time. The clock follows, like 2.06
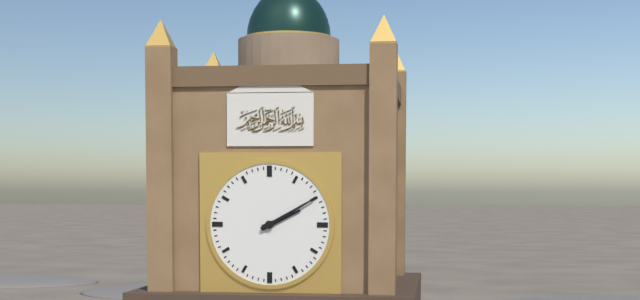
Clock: 2.10
